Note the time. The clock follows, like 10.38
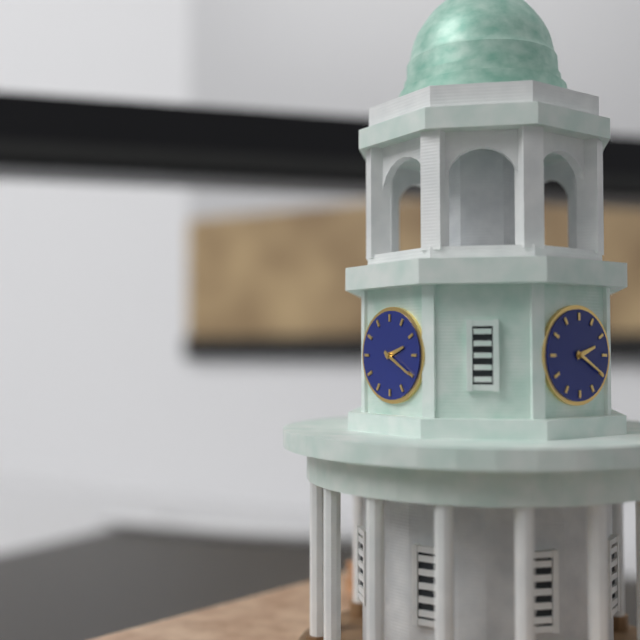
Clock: 2.20
